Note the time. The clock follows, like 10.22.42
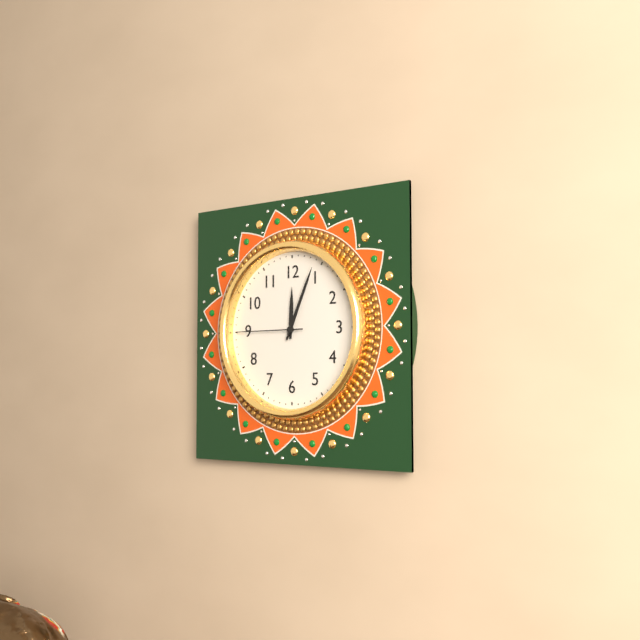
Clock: 12.04.45
